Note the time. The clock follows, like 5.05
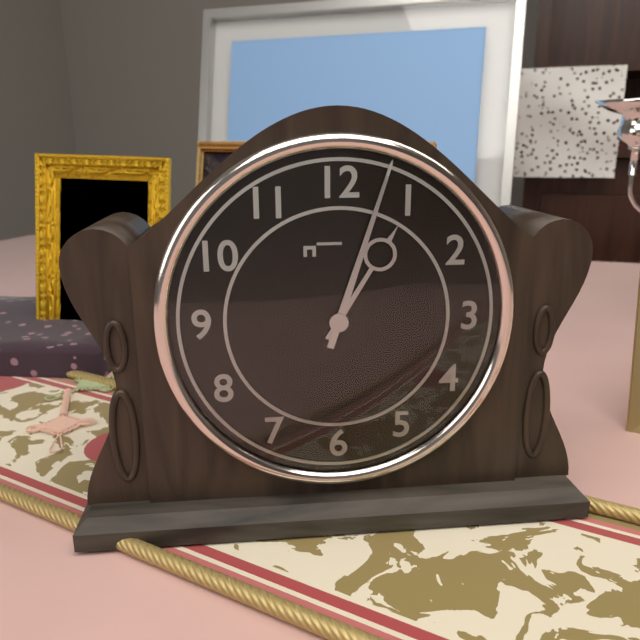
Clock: 1.03
